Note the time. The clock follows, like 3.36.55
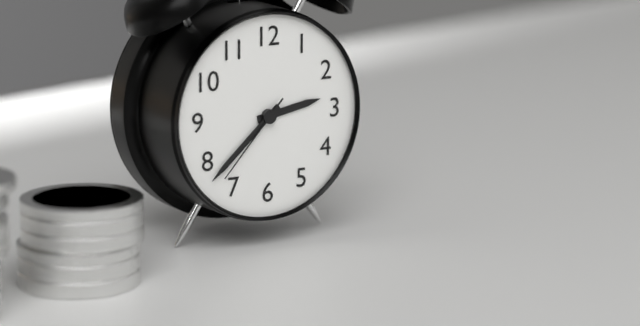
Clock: 2.38.37
